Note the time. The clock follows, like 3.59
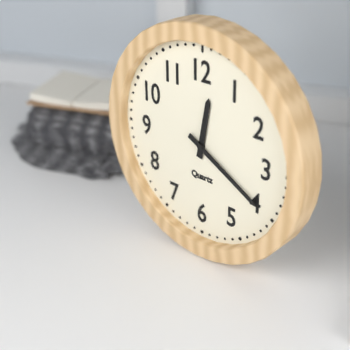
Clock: 12.20
